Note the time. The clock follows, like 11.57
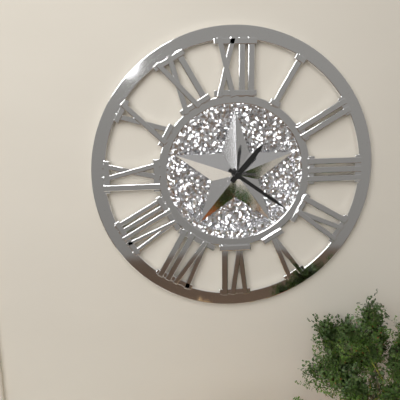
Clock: 1.21
